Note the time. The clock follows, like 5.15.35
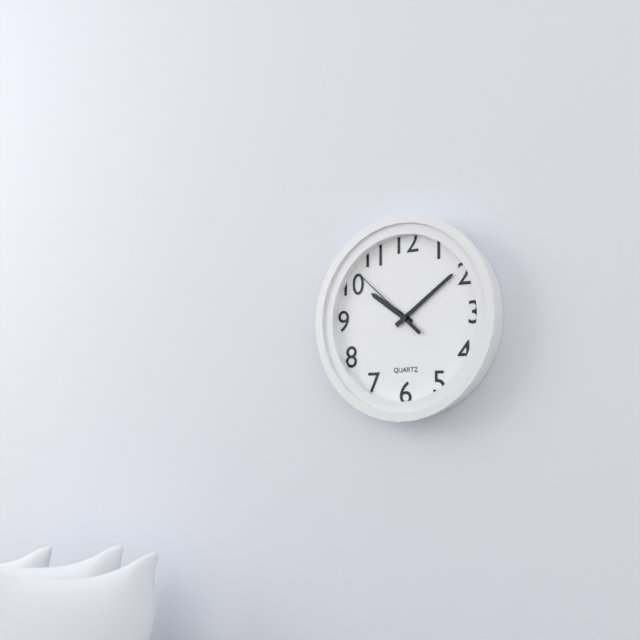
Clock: 10.09.52
